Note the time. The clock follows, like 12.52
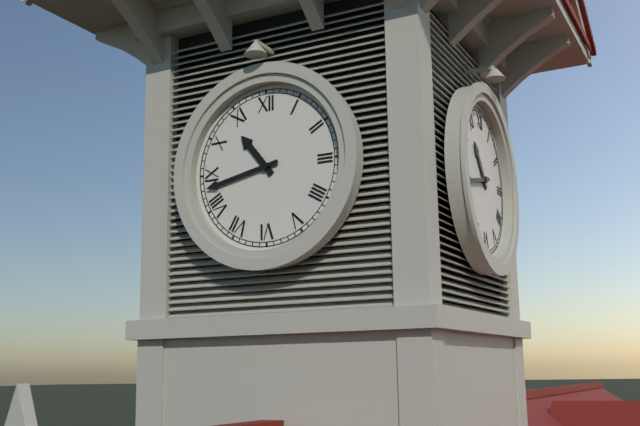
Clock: 10.43
